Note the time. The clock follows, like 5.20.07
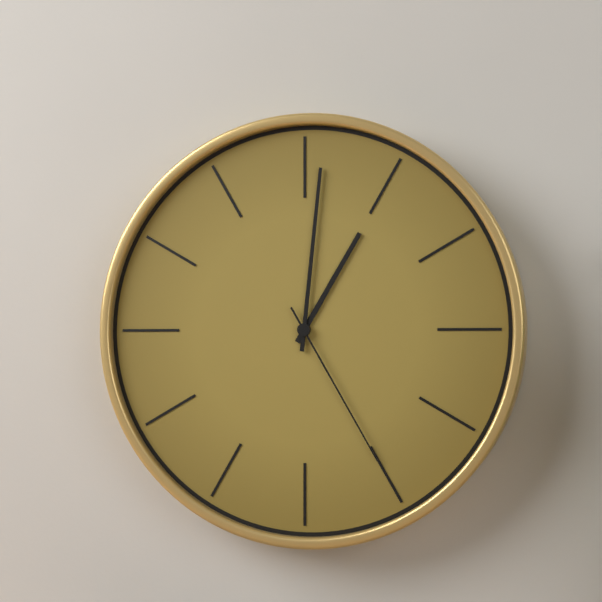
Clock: 1.01.25
